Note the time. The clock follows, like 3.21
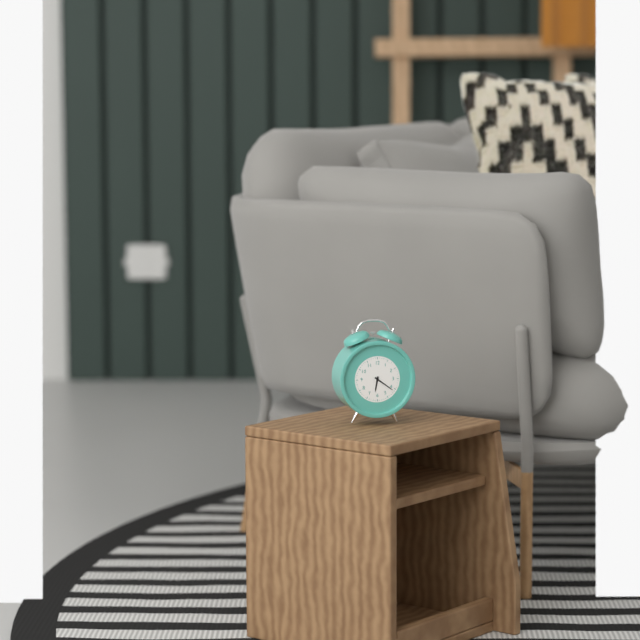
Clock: 6.21
